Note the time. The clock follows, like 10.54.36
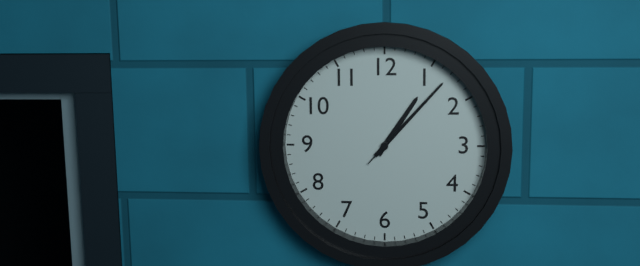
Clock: 1.07.07
